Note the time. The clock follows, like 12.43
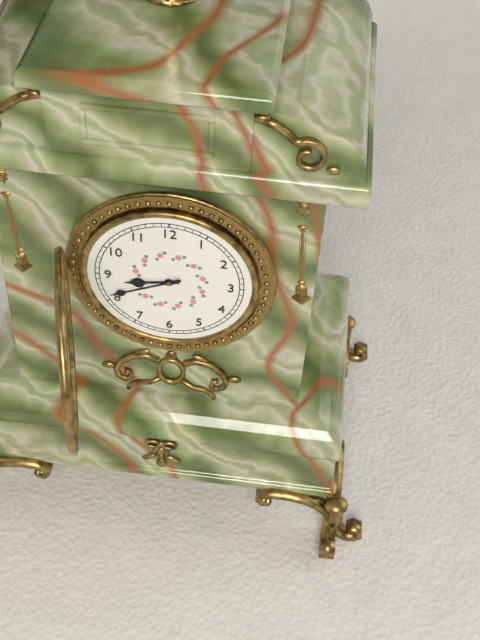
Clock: 8.41
